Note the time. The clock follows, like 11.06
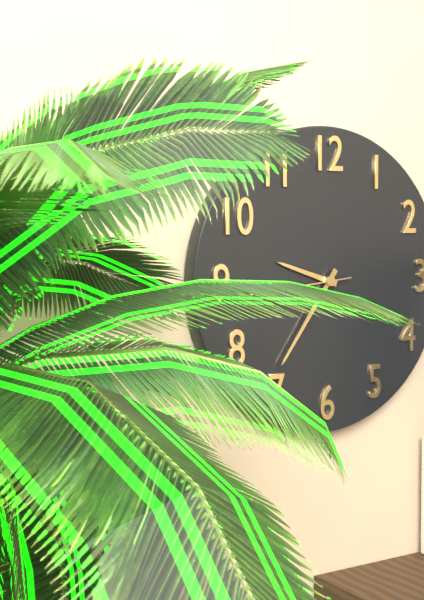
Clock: 9.36
